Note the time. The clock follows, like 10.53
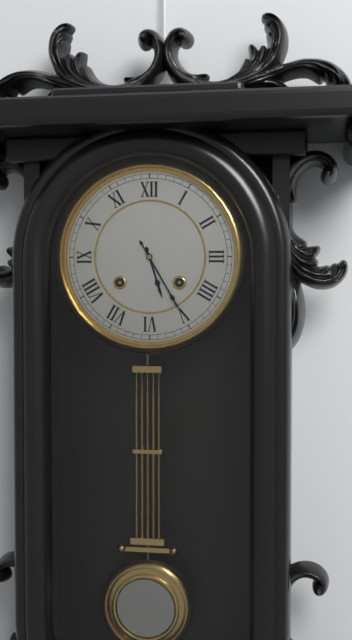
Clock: 5.25
